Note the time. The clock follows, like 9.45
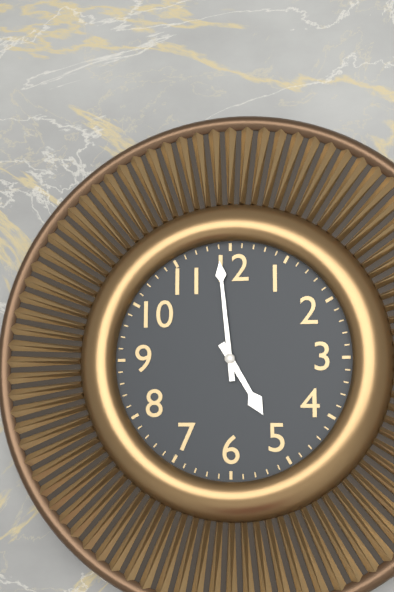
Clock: 4.59
